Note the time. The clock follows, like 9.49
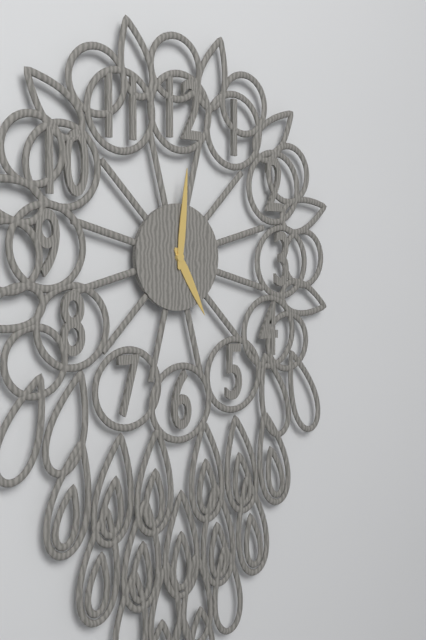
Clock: 5.01
